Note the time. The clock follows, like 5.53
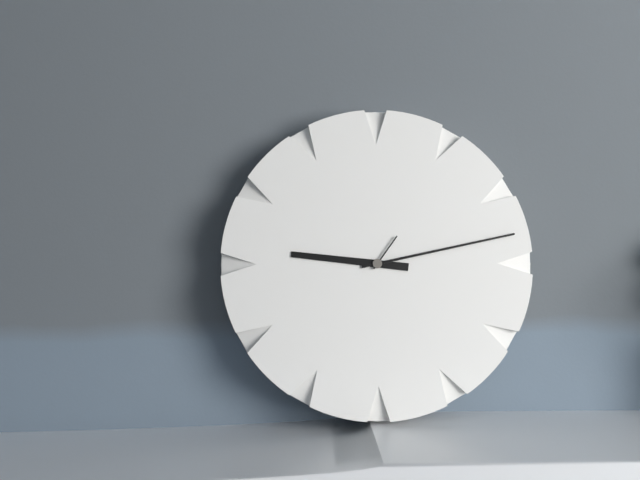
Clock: 9.13
